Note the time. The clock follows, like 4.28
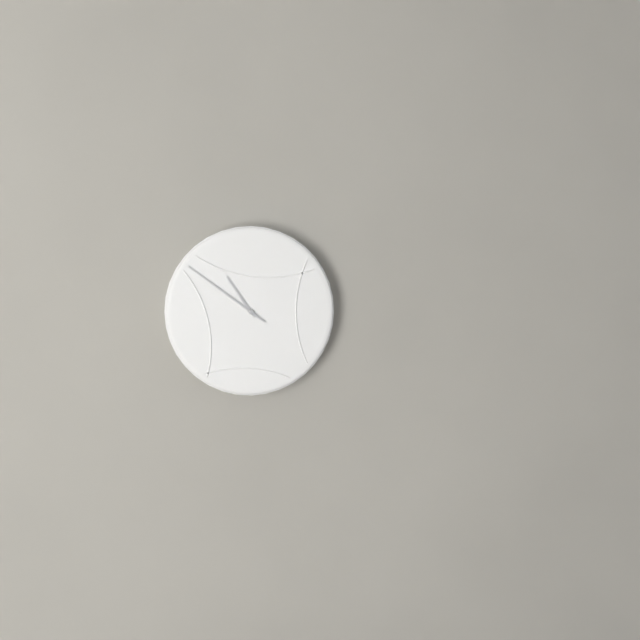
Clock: 10.51
